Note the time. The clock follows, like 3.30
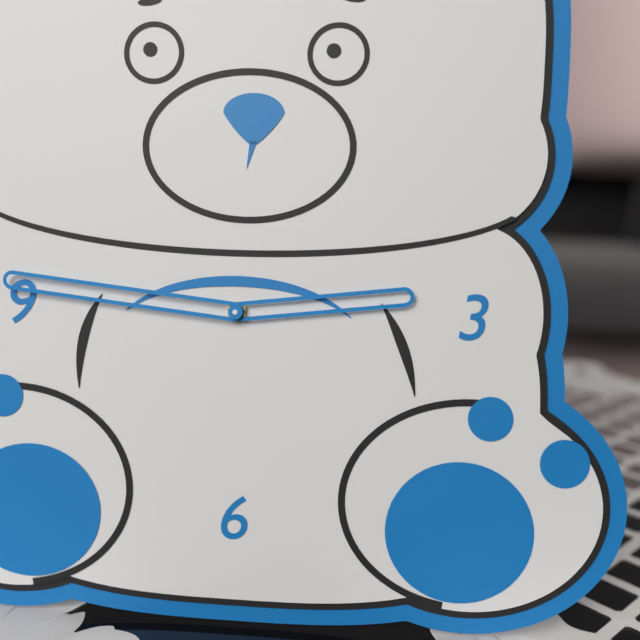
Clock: 2.46
